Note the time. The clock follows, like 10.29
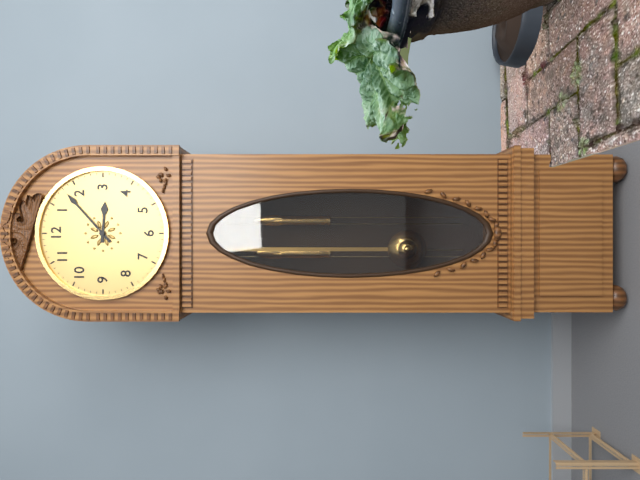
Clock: 3.08
